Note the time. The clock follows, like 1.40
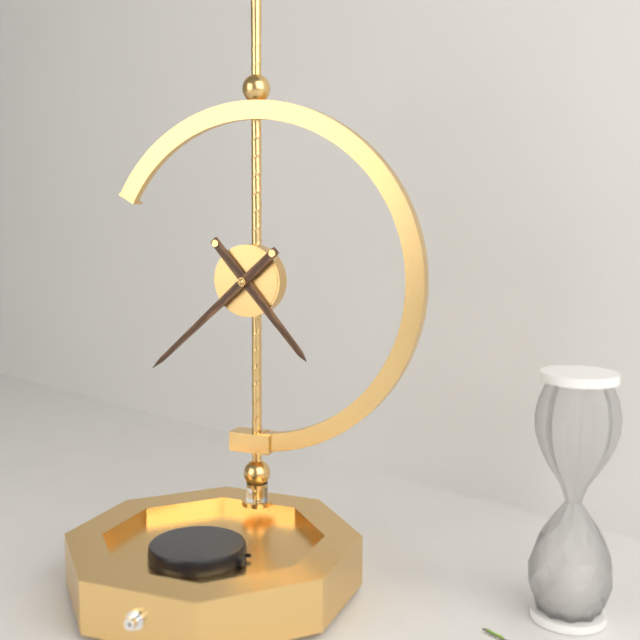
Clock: 4.38
